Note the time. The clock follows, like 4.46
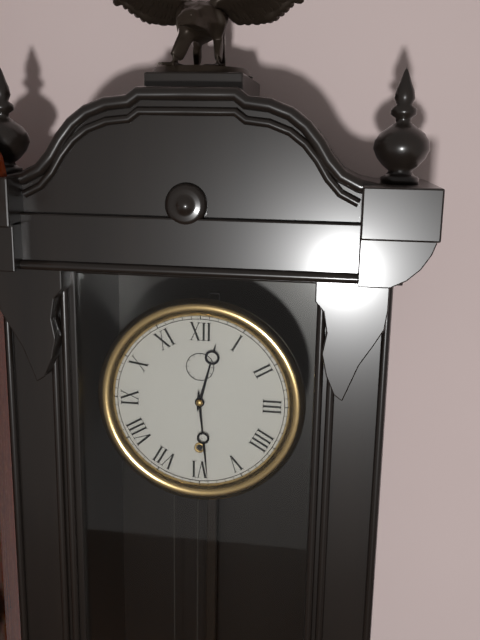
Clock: 12.29
